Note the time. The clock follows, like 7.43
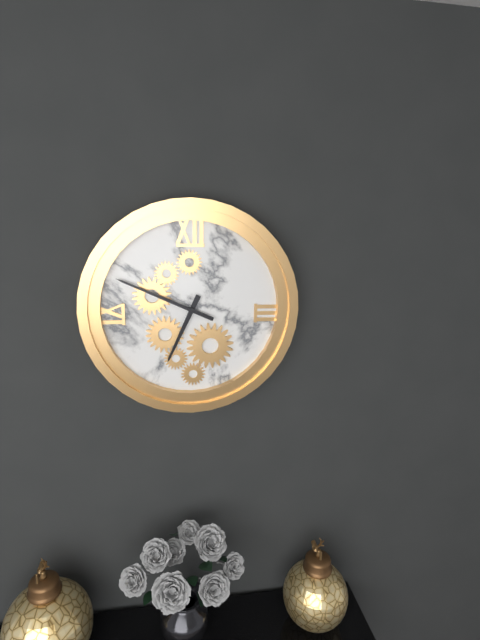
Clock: 6.49
